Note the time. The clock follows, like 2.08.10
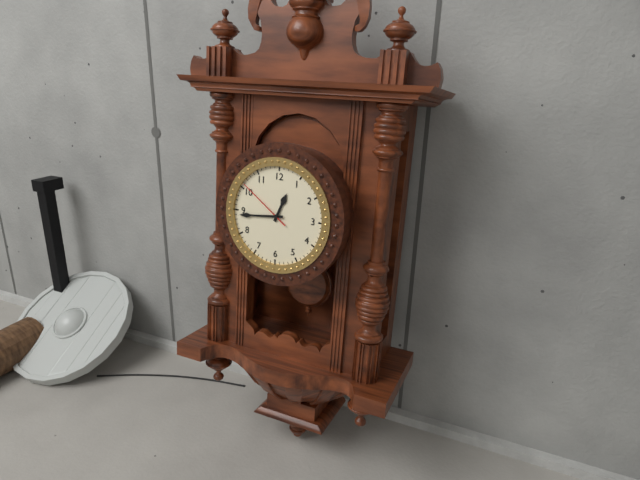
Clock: 12.44.51
